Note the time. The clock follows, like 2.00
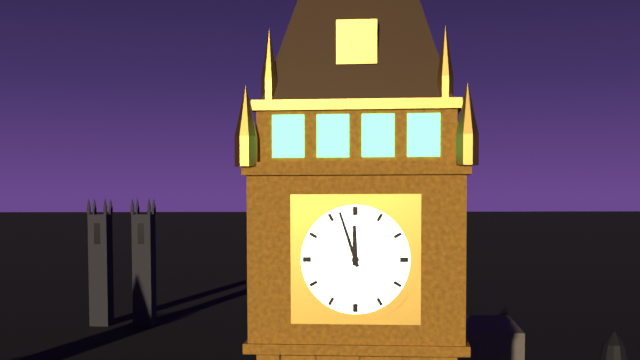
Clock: 11.57
